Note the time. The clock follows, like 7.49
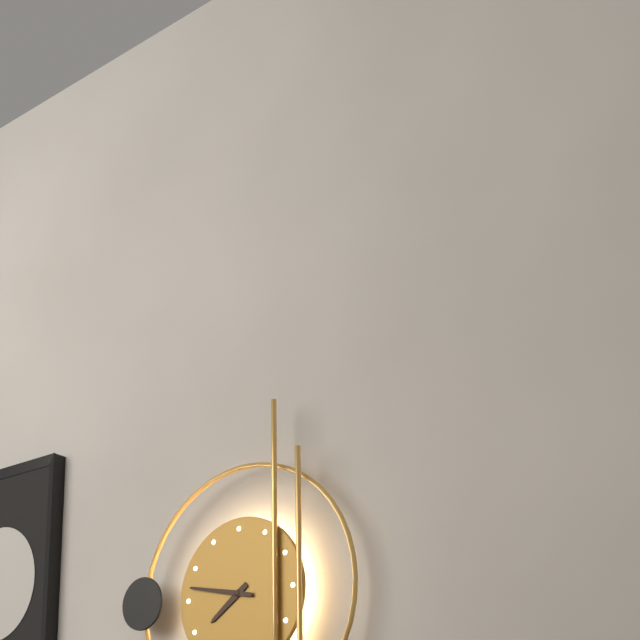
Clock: 7.47
